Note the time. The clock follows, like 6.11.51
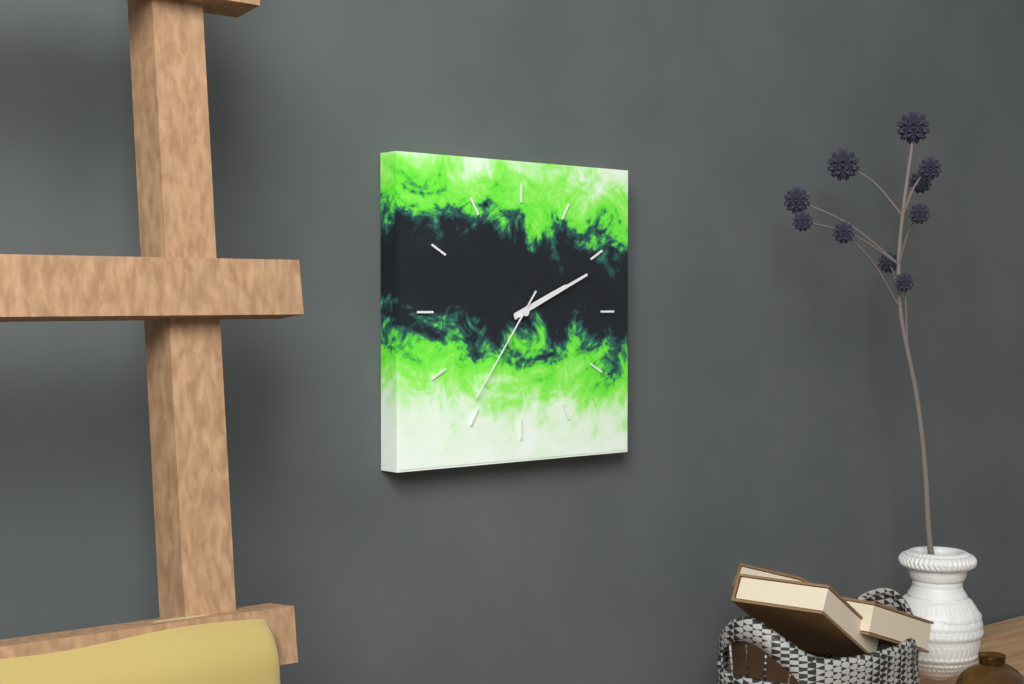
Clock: 2.11.36
